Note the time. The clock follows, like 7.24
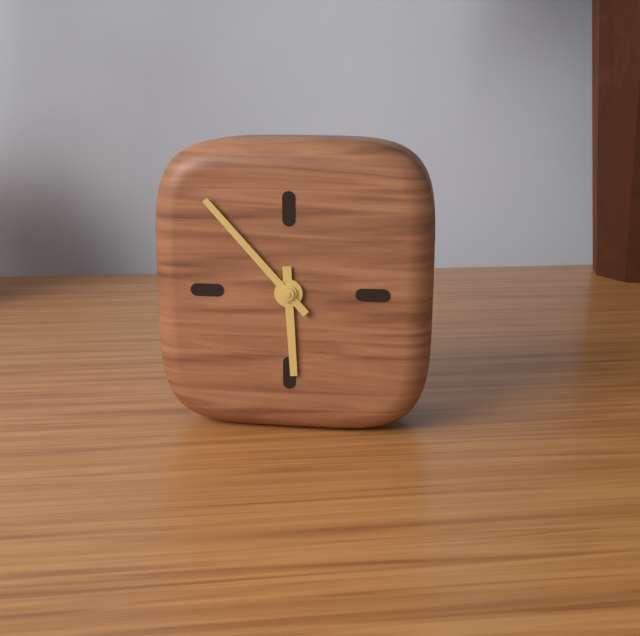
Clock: 5.53
